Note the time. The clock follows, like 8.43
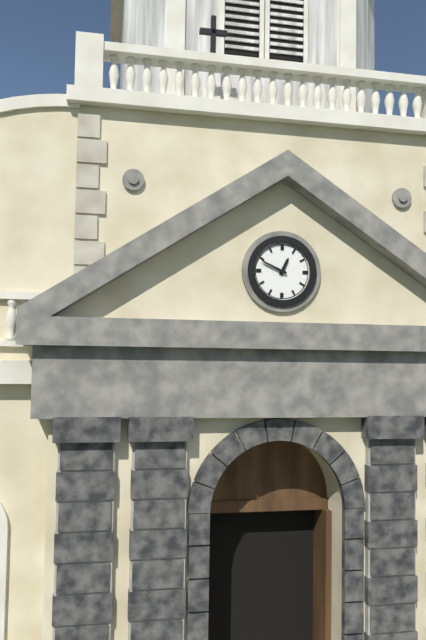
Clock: 12.49
